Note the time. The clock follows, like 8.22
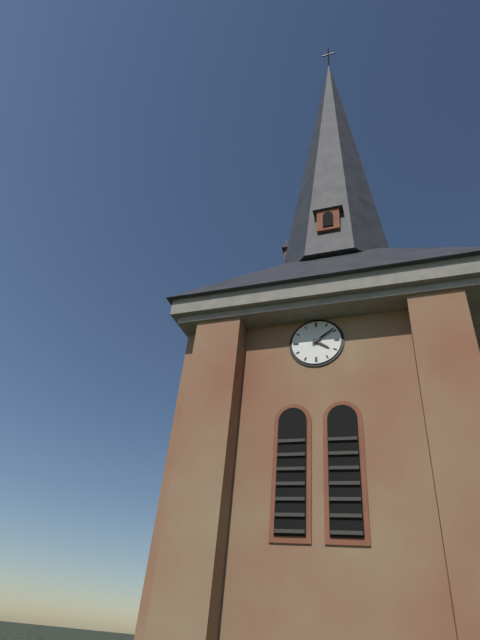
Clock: 4.09
